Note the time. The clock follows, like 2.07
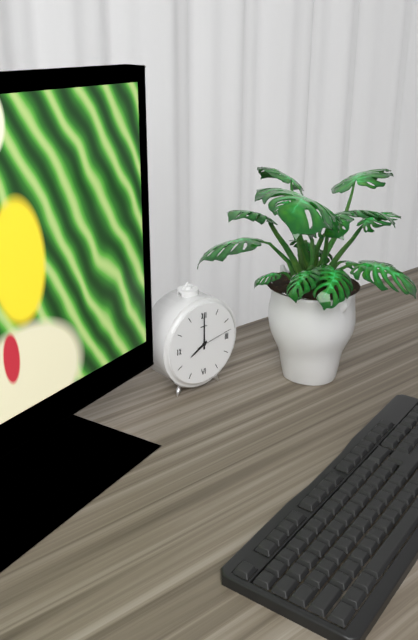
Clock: 8.00
